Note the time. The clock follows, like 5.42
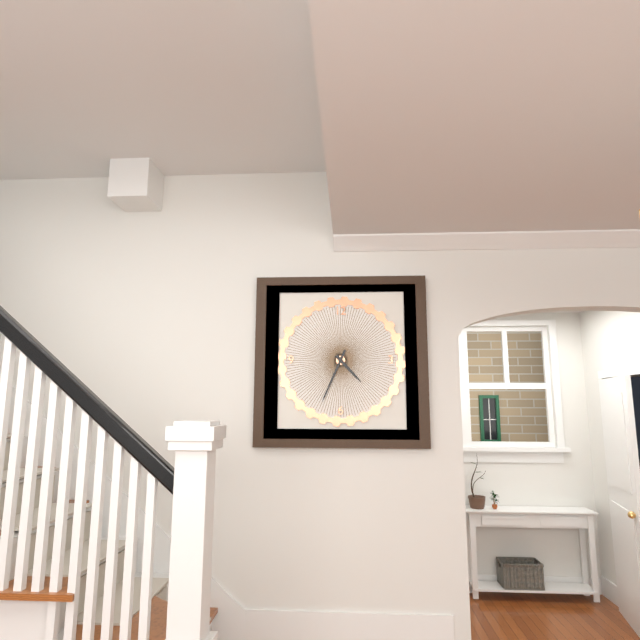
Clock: 4.34
